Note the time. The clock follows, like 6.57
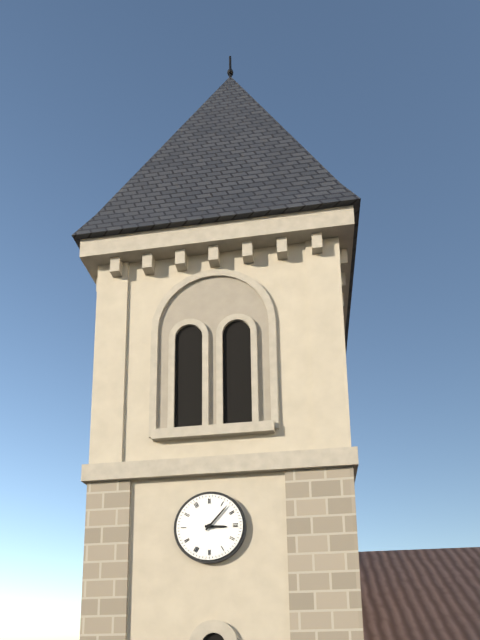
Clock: 3.07
